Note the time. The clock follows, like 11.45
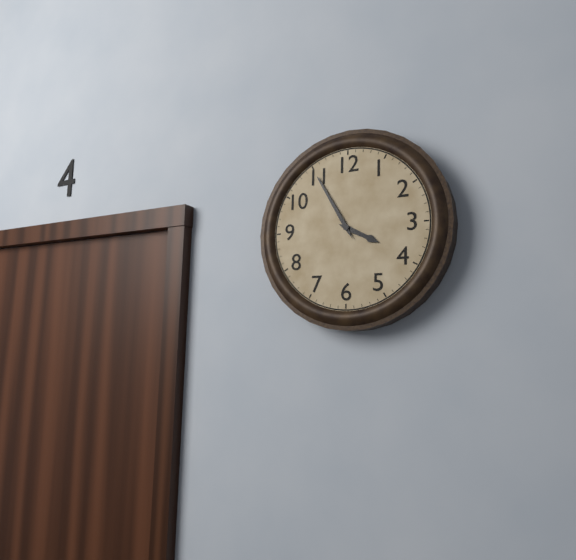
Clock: 3.55
